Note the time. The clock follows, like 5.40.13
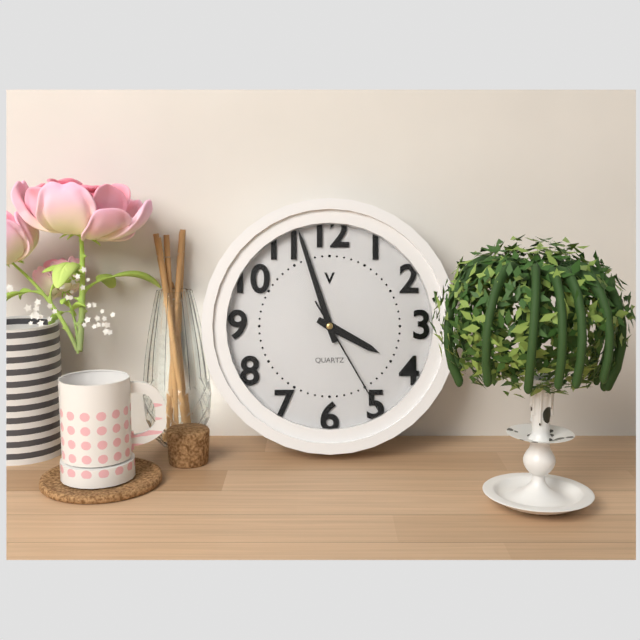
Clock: 3.57.25
